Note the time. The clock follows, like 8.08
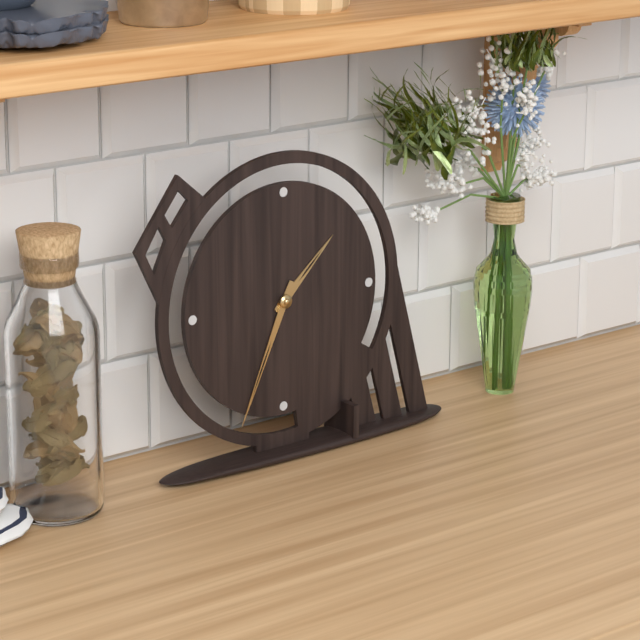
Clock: 1.34
